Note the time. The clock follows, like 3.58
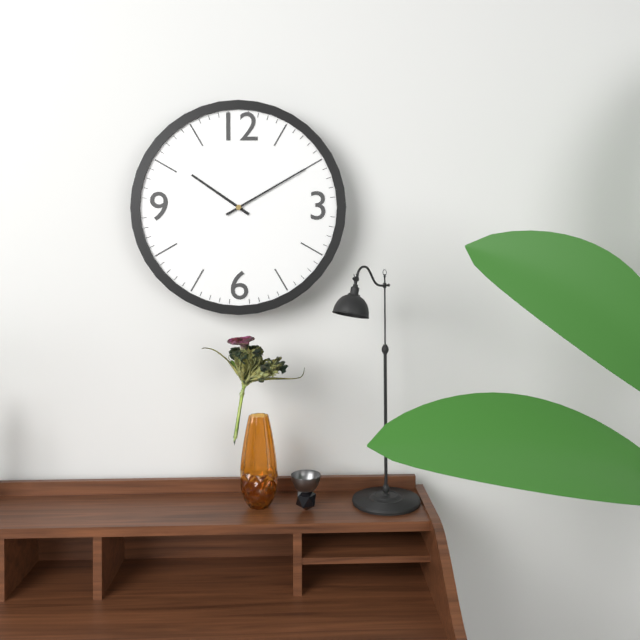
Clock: 10.10
